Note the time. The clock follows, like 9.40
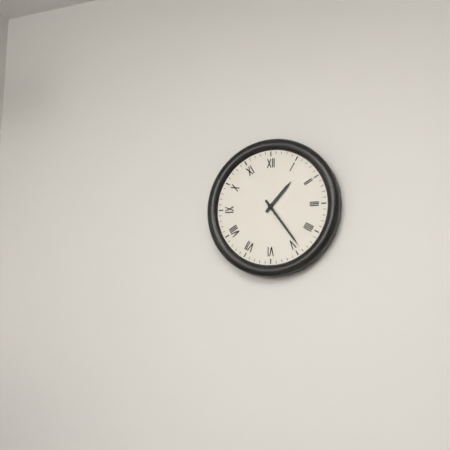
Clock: 1.24
